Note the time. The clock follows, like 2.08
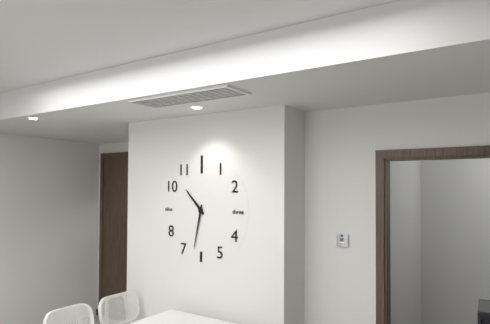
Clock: 10.32
